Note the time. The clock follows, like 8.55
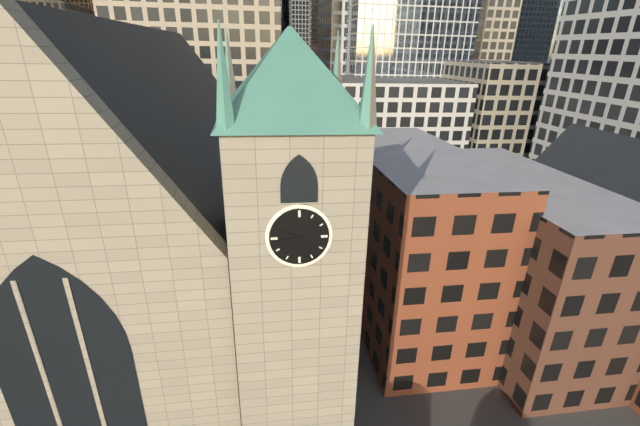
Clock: 9.44
